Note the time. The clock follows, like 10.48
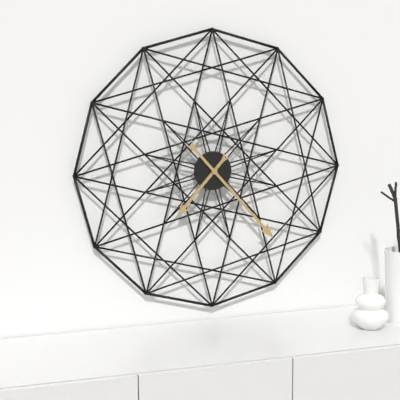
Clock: 7.23
